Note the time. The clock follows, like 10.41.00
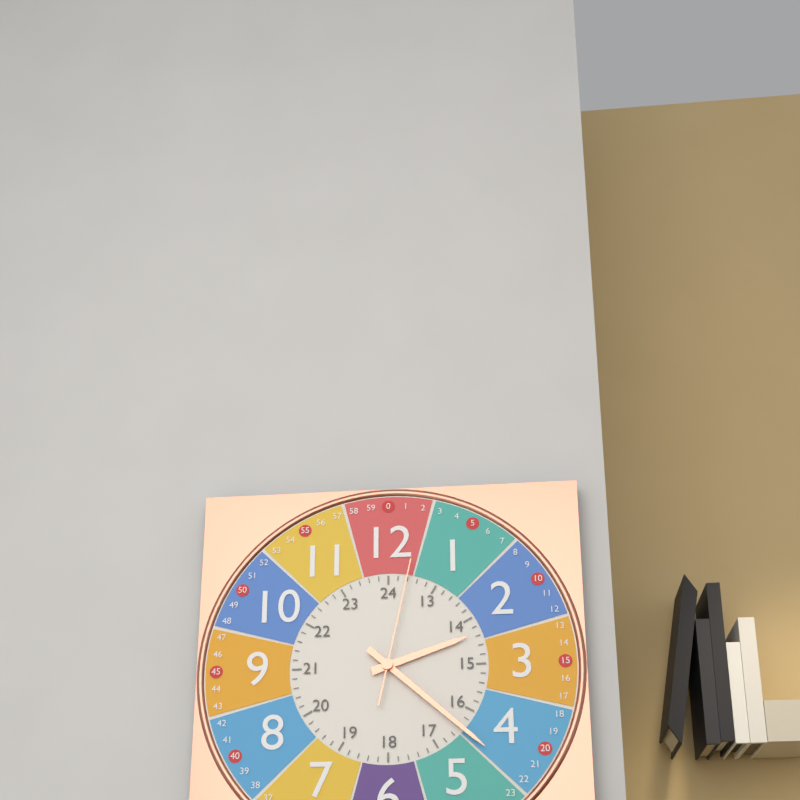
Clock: 2.22.02
